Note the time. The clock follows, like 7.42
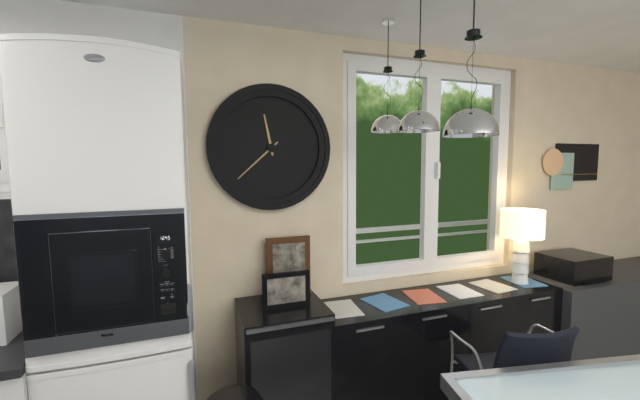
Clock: 11.38
